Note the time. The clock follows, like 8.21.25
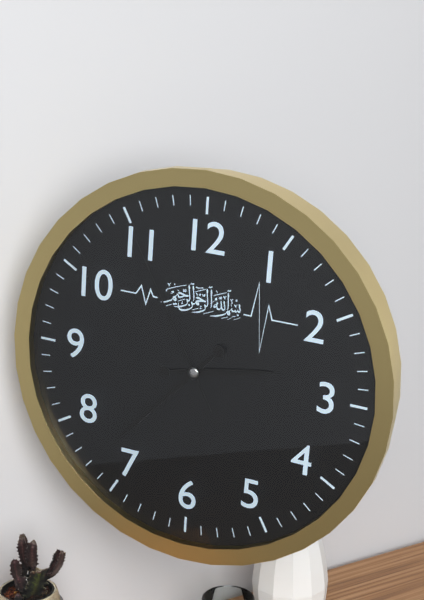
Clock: 2.37.55
